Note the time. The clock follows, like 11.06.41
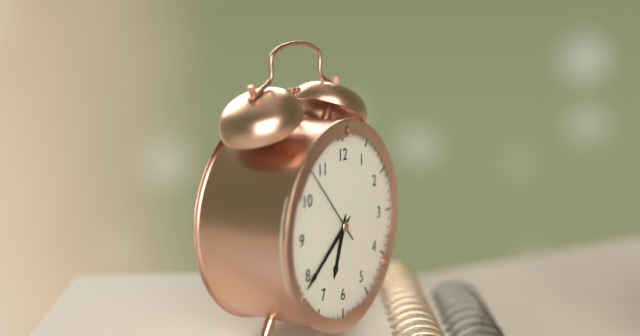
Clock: 6.39.53
